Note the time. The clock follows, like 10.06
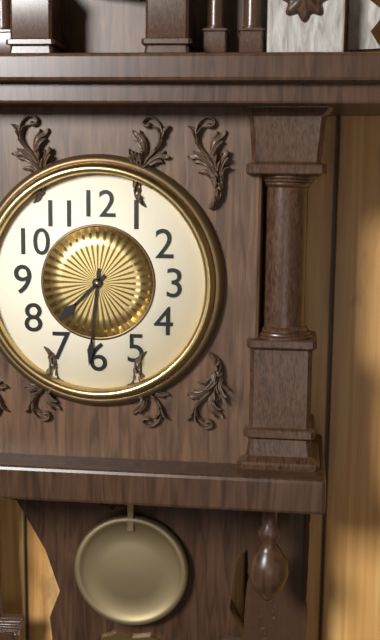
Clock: 7.31
